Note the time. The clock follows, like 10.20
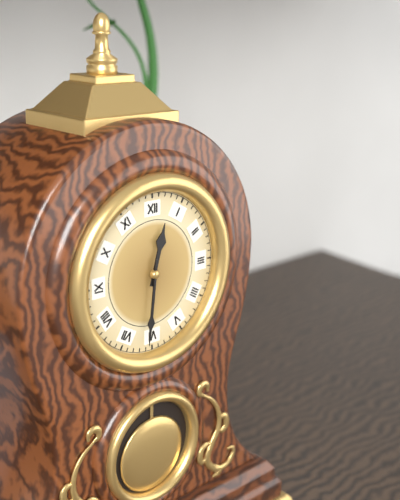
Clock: 12.31
